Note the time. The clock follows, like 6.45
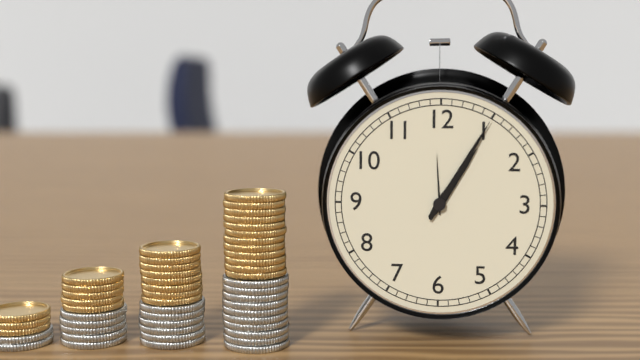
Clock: 1.05
